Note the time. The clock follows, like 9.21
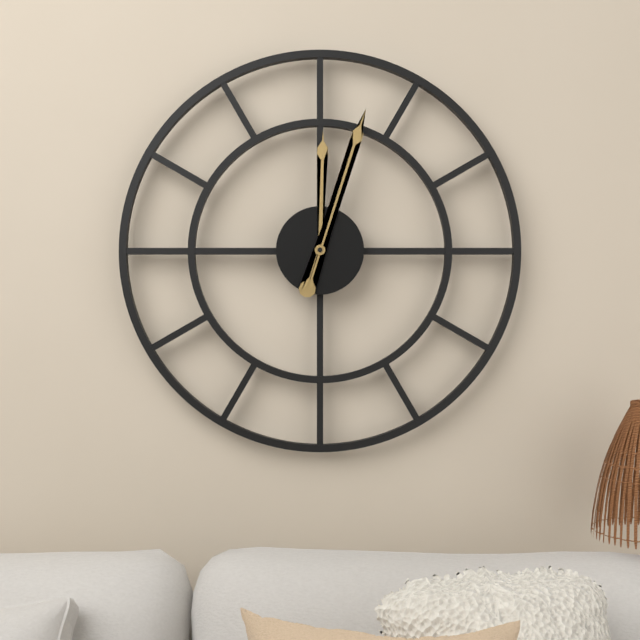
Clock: 12.03
